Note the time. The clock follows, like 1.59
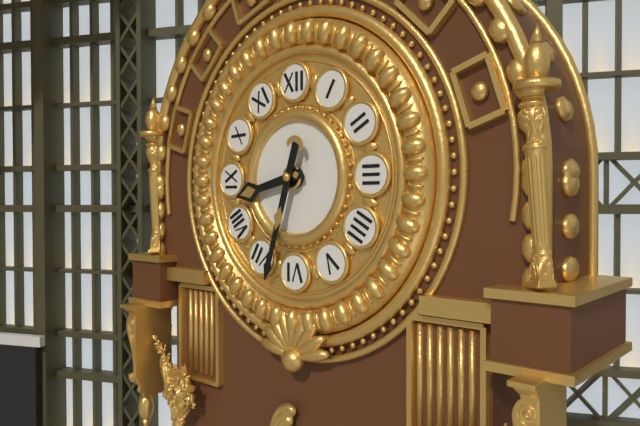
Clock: 8.33
